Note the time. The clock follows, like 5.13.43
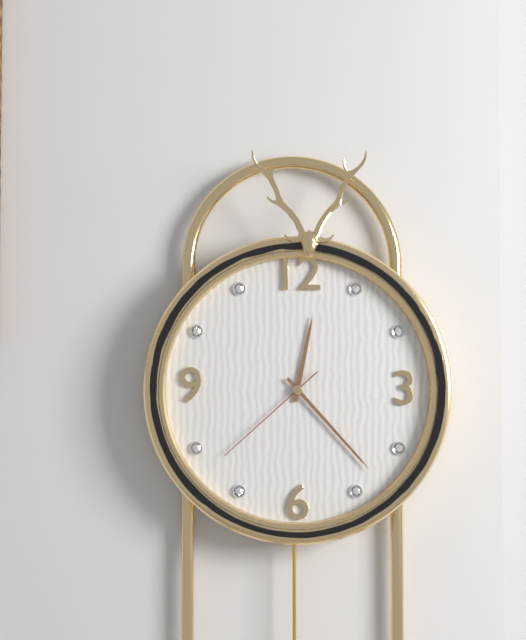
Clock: 12.23.38
